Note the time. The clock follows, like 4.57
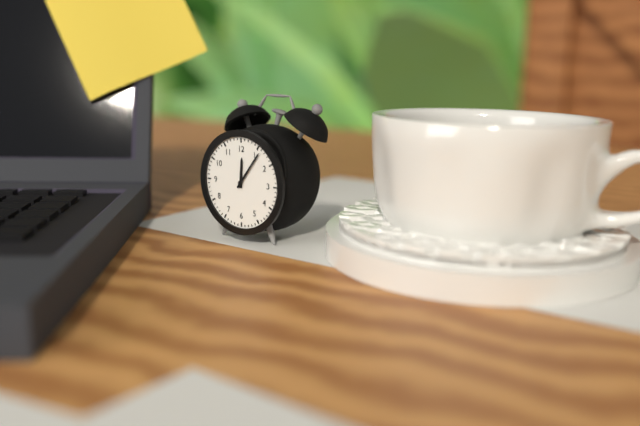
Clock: 12.06
